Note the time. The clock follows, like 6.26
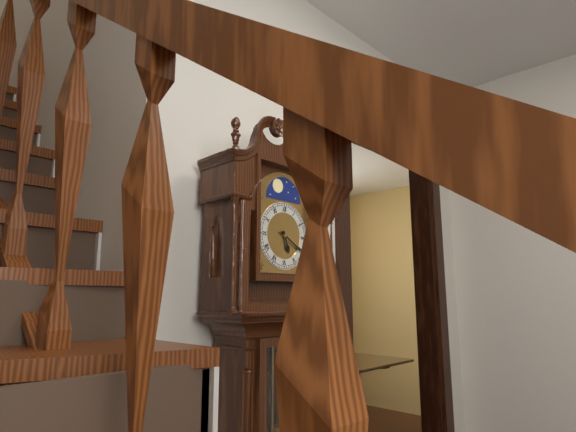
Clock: 5.20
